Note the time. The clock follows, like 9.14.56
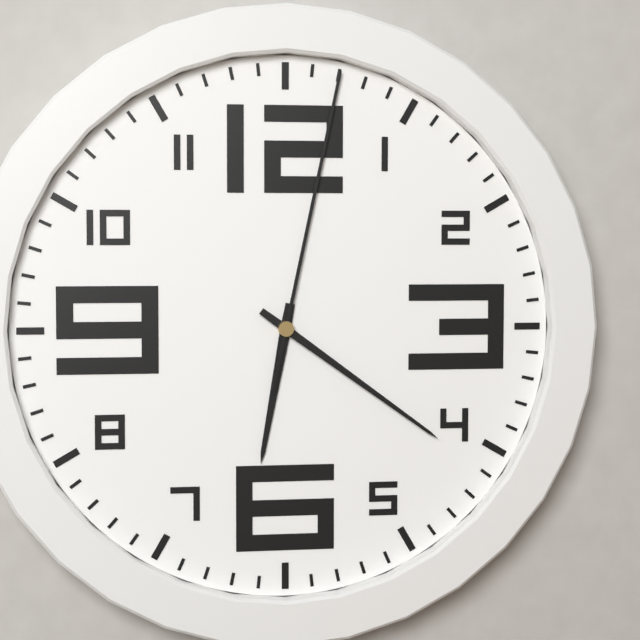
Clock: 6.21.02
